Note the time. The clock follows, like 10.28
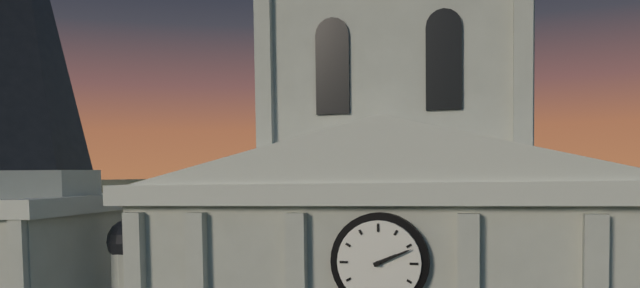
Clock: 2.11
